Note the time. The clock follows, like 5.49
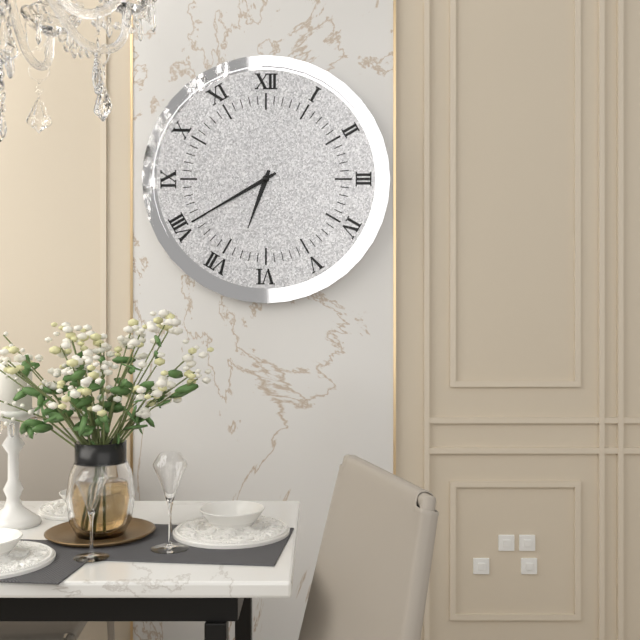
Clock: 6.40
